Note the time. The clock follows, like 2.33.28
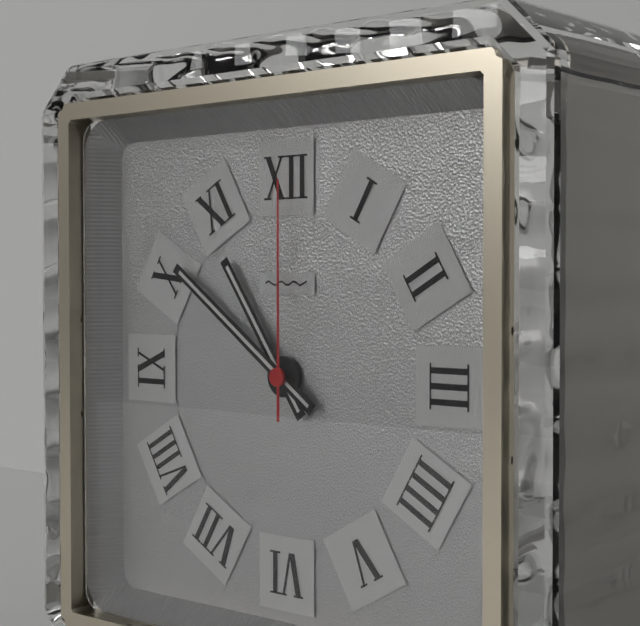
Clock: 10.51.00
